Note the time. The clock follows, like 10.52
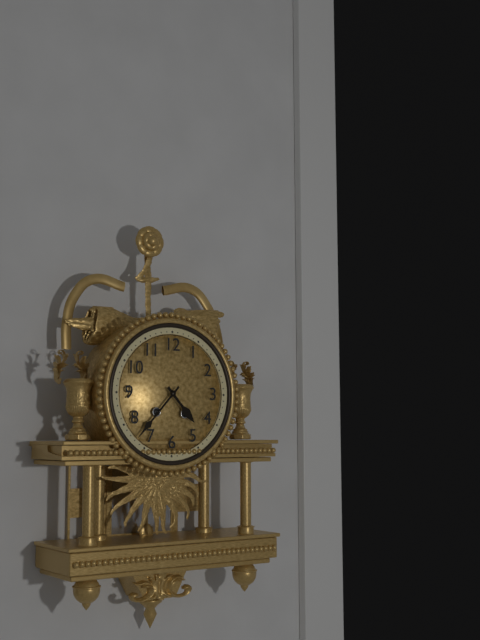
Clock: 4.37
